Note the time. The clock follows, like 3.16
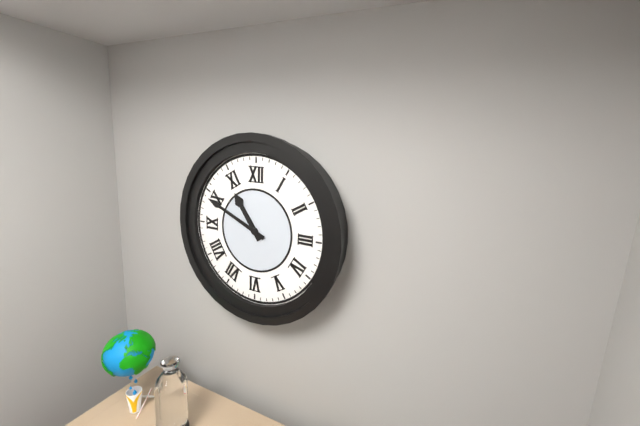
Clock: 10.49
